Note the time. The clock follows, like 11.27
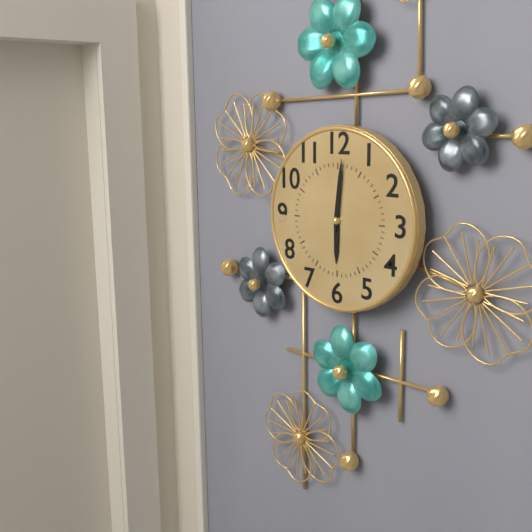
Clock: 6.01
